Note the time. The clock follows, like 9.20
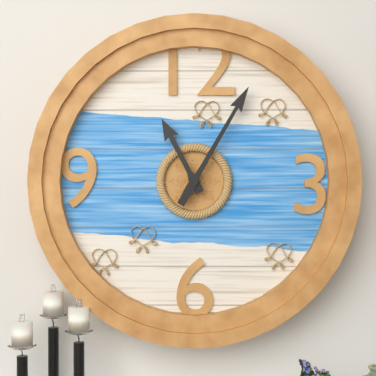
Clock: 11.05
